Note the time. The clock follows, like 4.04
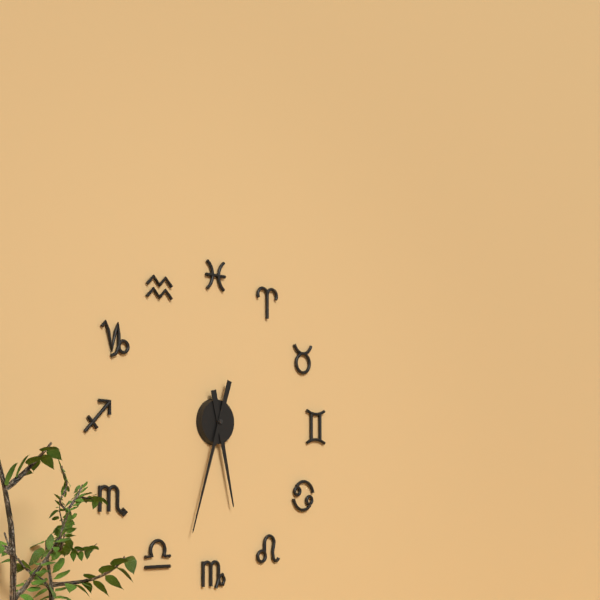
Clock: 5.33
